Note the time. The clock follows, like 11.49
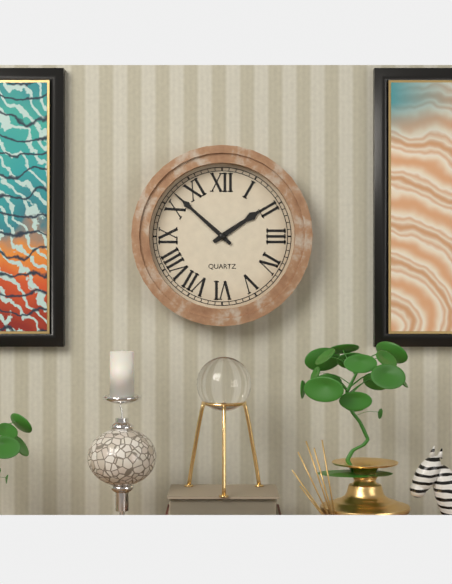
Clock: 1.52
